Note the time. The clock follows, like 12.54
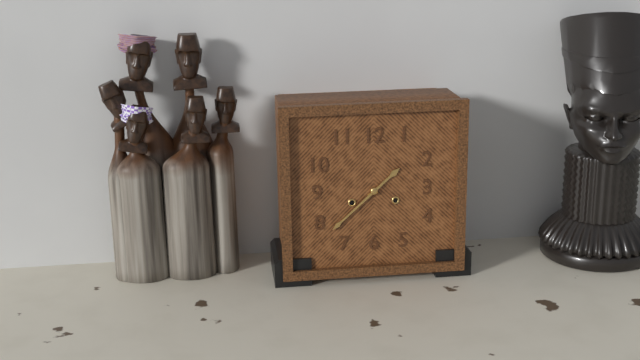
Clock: 1.38
